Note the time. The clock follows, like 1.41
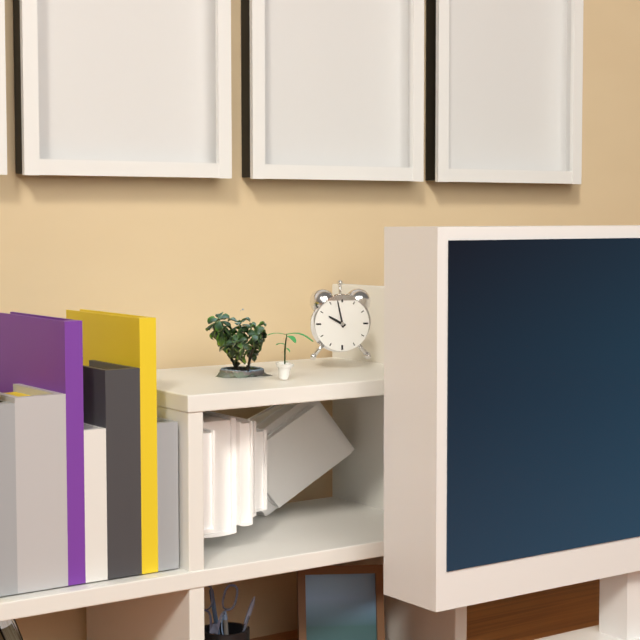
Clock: 9.58
